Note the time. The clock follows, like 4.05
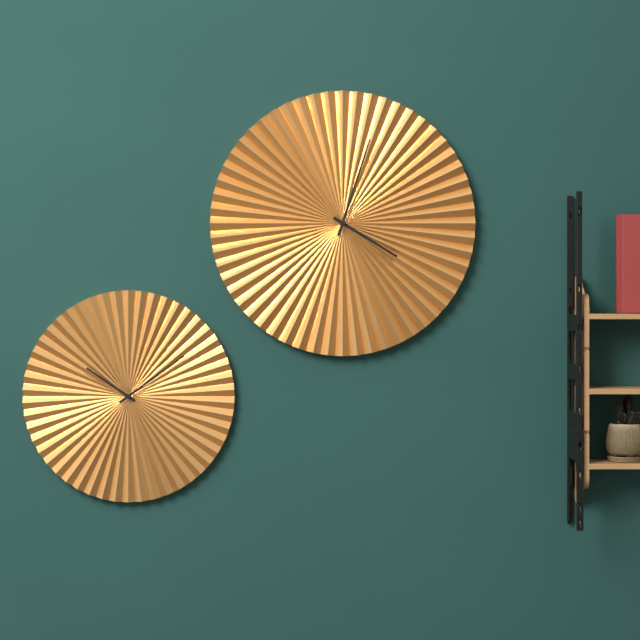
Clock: 4.03
